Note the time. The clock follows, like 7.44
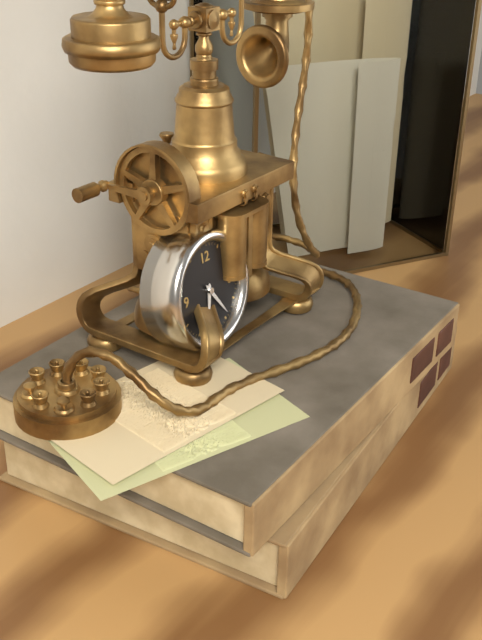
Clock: 6.24
